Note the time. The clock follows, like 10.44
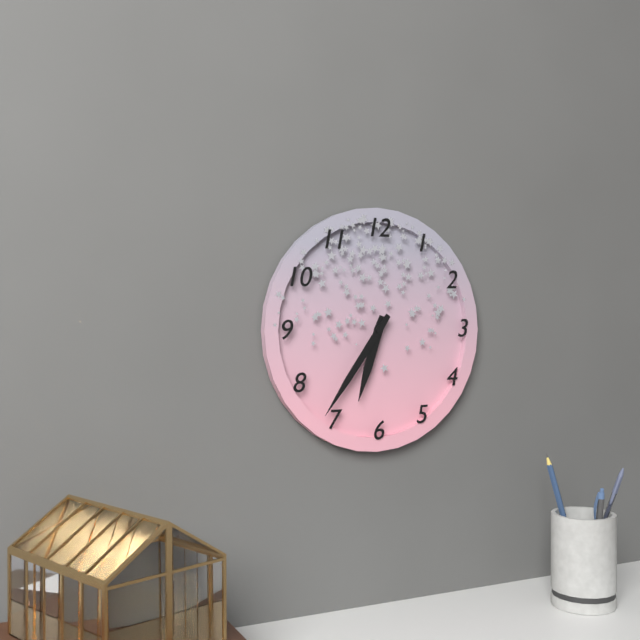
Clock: 6.36
